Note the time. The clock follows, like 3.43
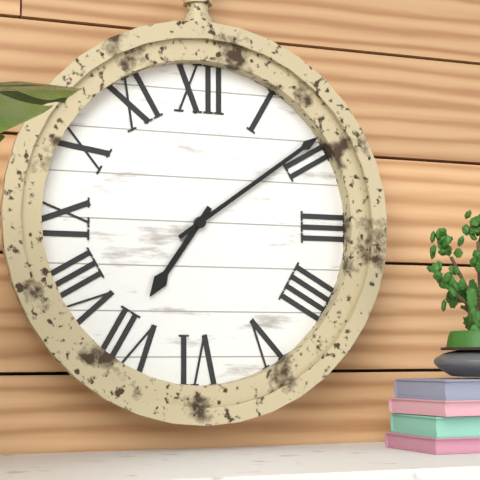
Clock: 7.09
